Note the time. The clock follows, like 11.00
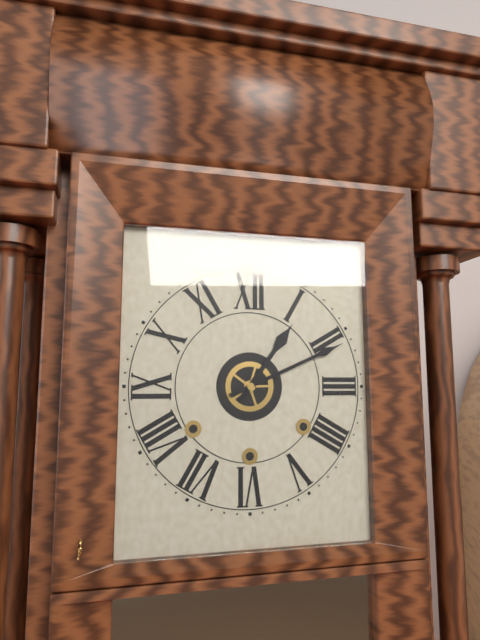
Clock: 1.11
